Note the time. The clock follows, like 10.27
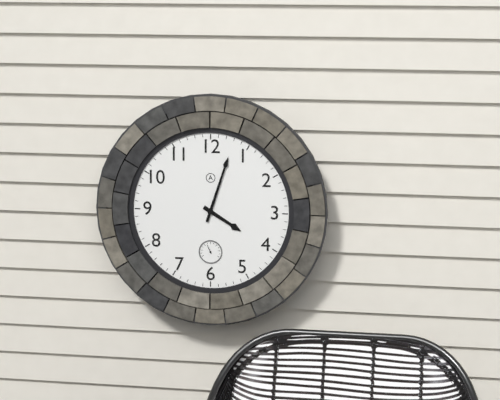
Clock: 4.03
